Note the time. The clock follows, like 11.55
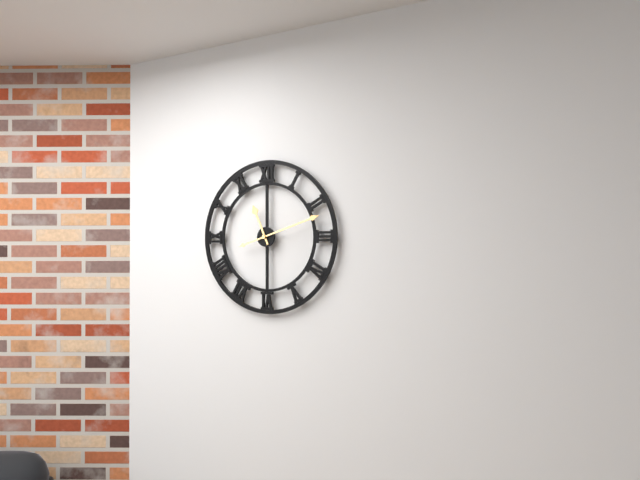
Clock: 11.12
